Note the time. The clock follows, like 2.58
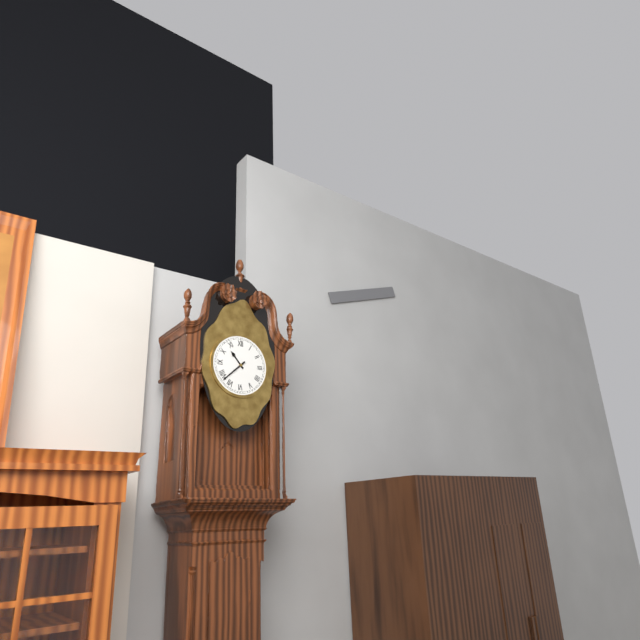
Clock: 10.38
